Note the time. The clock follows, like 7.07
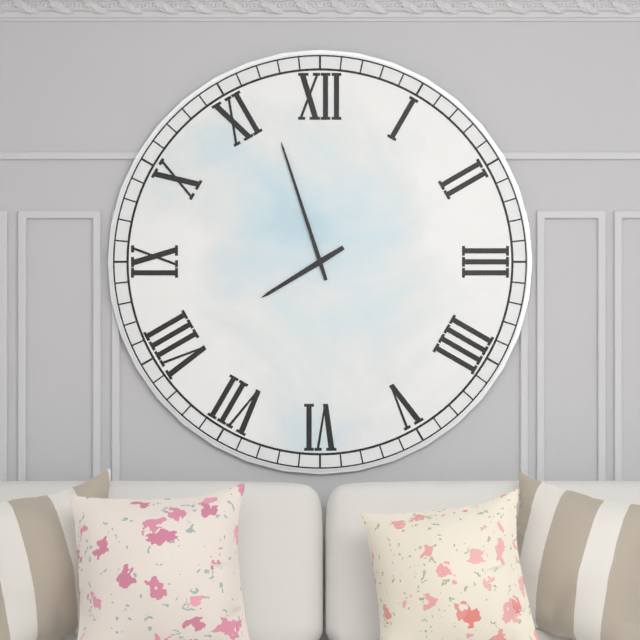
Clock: 7.57
